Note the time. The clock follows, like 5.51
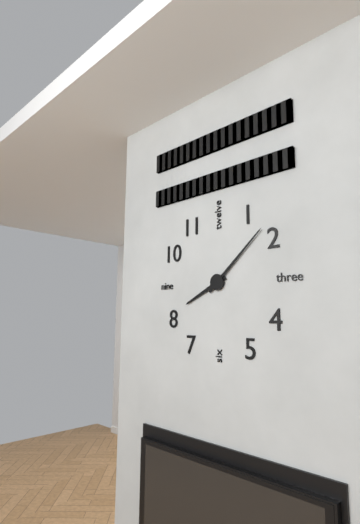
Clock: 8.08
